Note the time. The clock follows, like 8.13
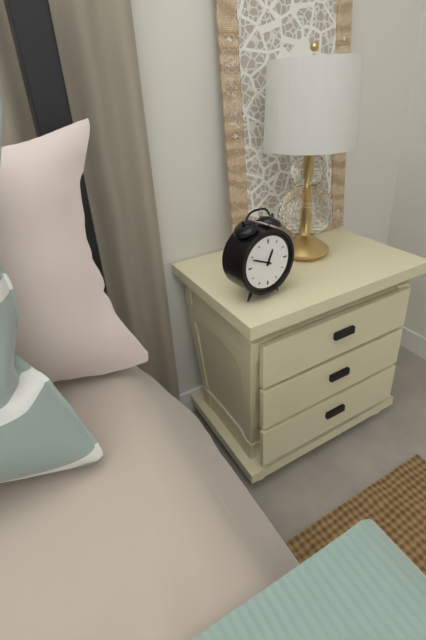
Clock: 12.49
